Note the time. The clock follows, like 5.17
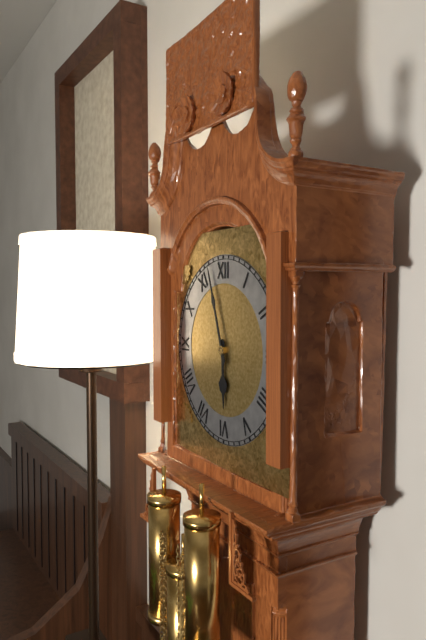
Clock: 5.57
